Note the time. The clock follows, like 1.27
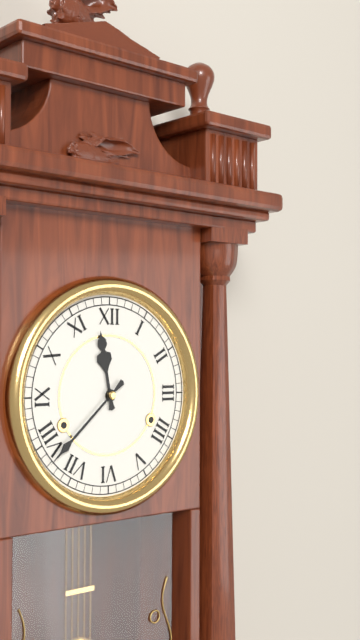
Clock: 11.38
